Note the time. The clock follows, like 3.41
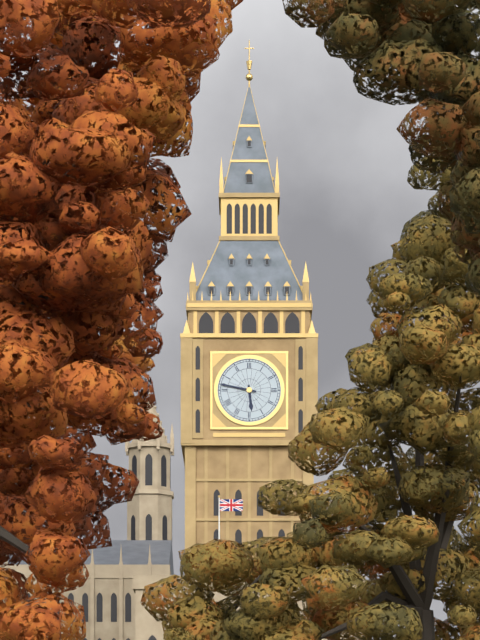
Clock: 5.47
